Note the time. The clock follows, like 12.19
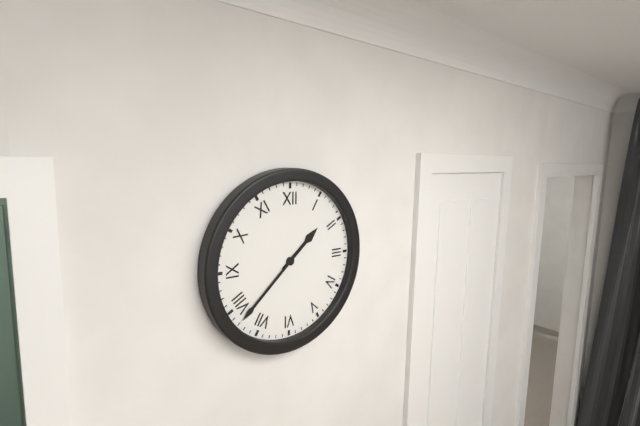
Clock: 1.38
